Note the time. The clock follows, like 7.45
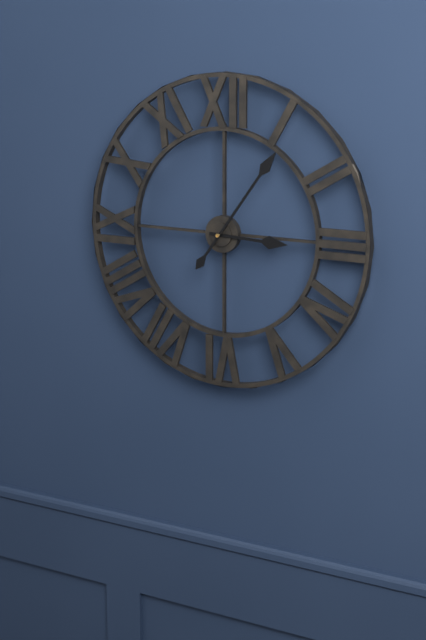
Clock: 3.06
